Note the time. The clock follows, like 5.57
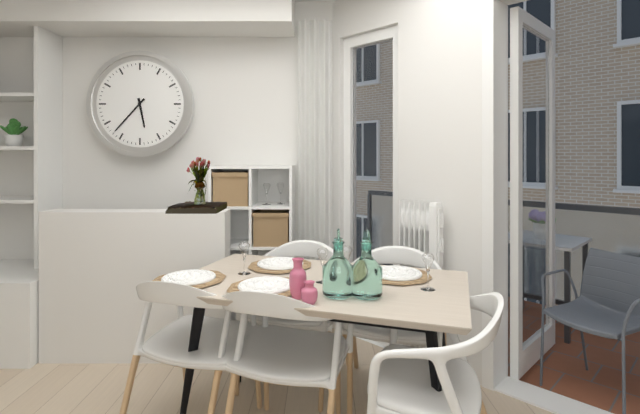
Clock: 5.37
